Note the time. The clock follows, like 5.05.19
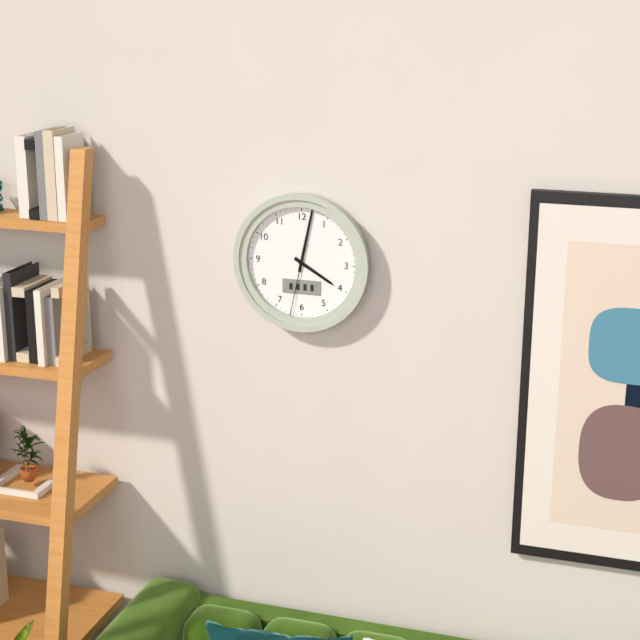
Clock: 4.02.32
